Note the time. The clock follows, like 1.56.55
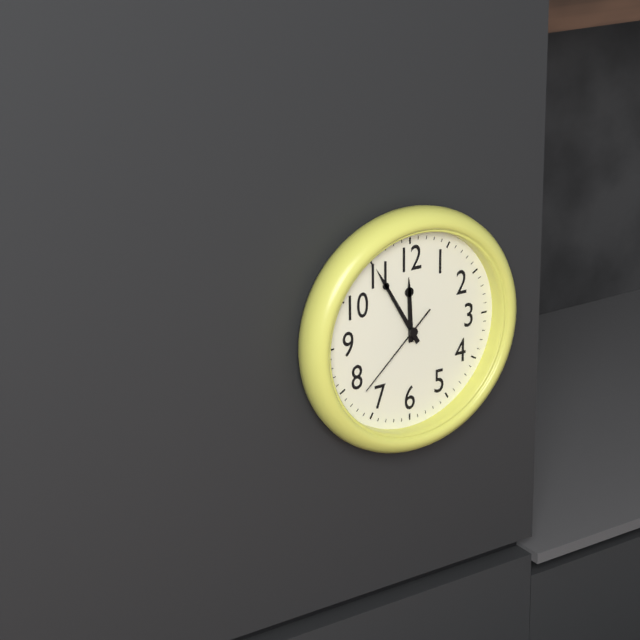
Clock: 11.55.38
